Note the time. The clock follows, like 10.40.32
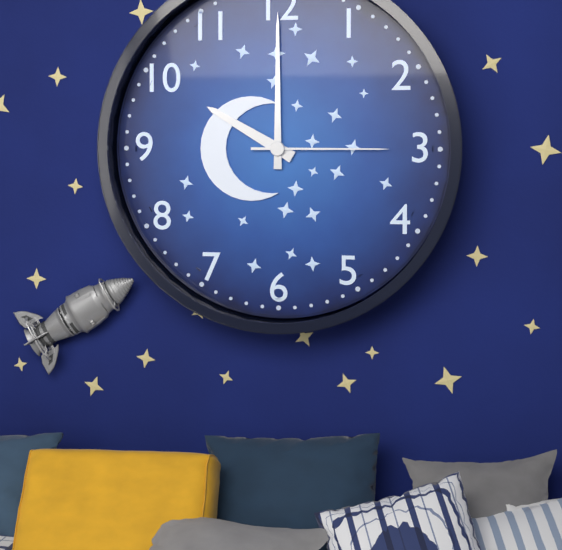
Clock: 10.00.15
